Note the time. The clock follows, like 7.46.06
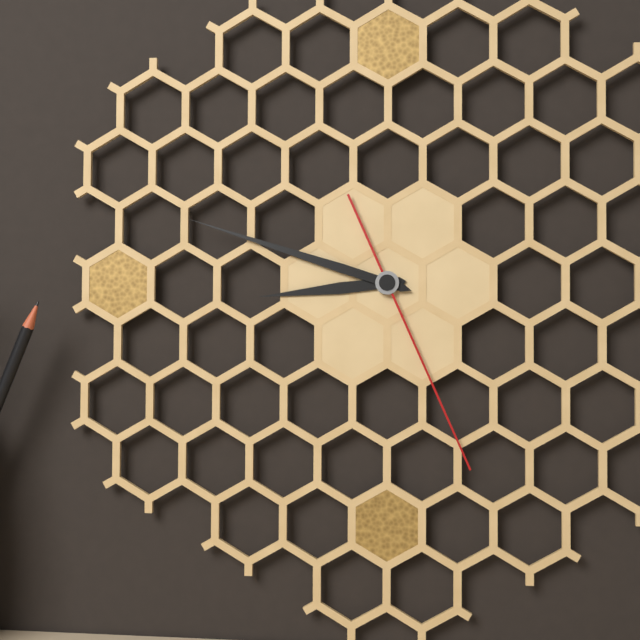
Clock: 8.48.26
